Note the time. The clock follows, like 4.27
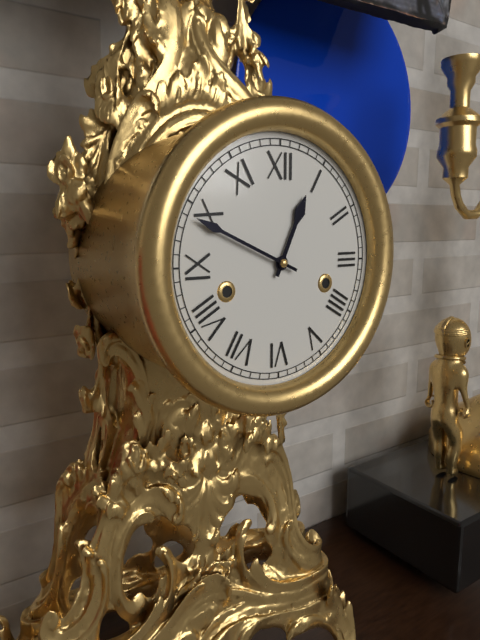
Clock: 12.49
